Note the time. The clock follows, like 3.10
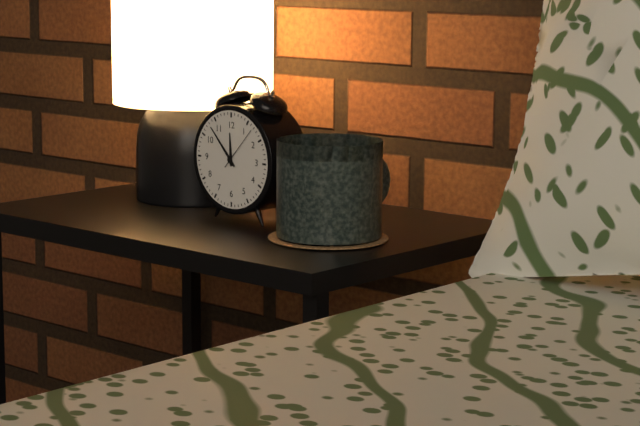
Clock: 11.53
